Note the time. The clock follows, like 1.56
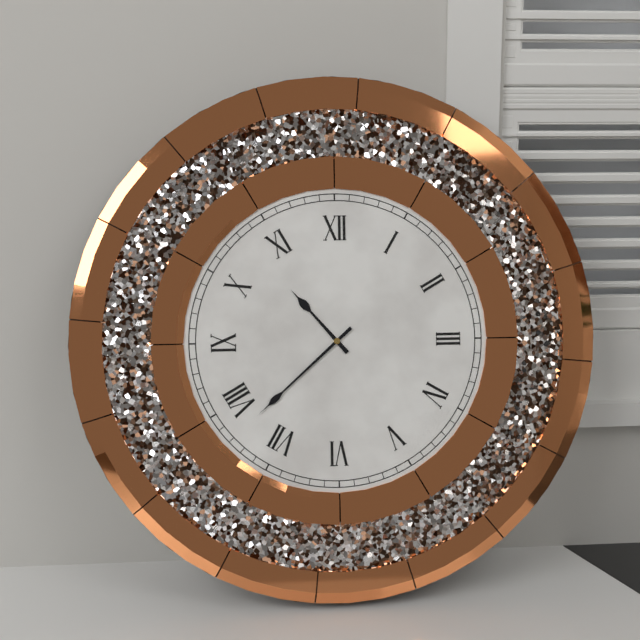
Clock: 10.38
